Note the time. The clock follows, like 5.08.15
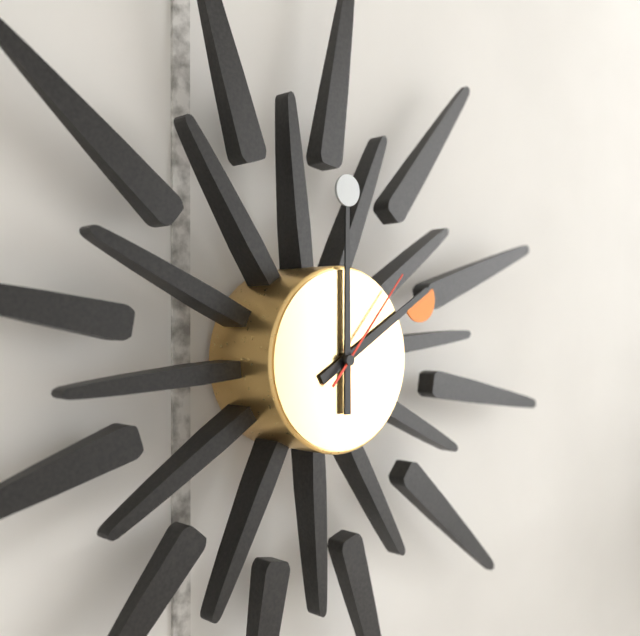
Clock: 2.00.07
